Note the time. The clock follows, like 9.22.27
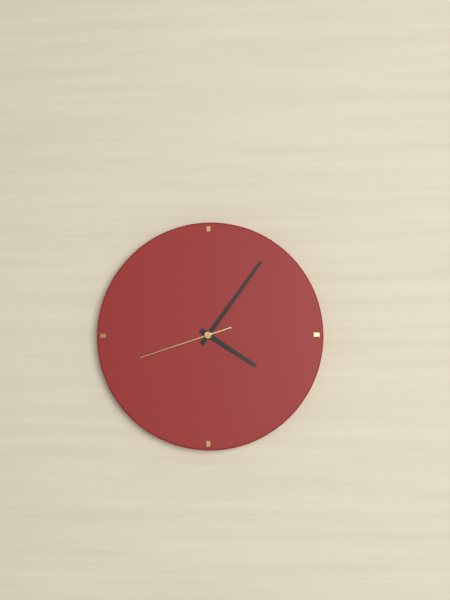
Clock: 4.06.42
